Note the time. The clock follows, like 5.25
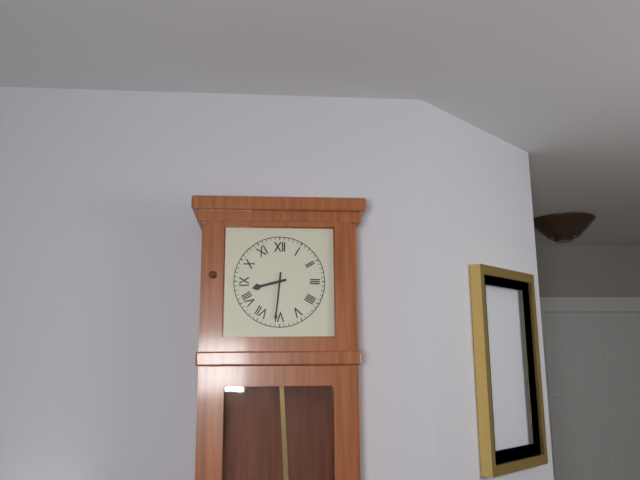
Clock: 8.31
